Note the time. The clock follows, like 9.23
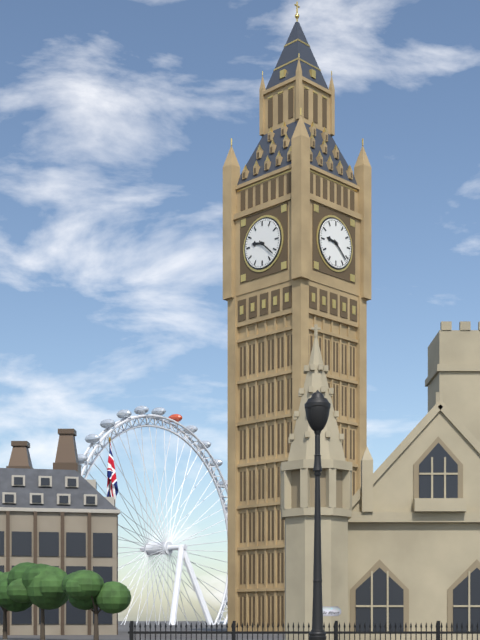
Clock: 9.22
